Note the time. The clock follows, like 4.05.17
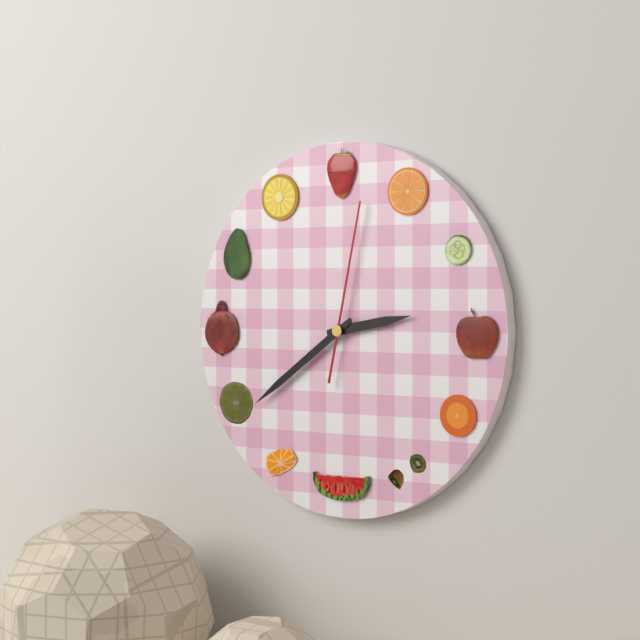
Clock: 2.39.02
